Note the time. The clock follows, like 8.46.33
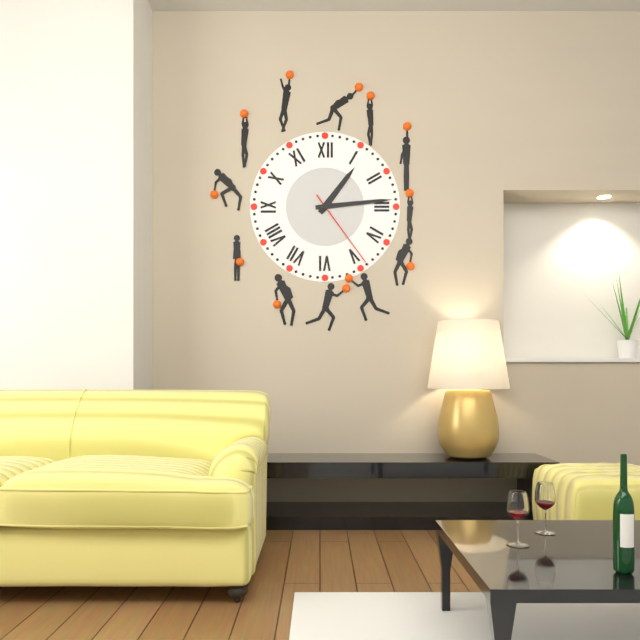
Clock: 1.14.24
